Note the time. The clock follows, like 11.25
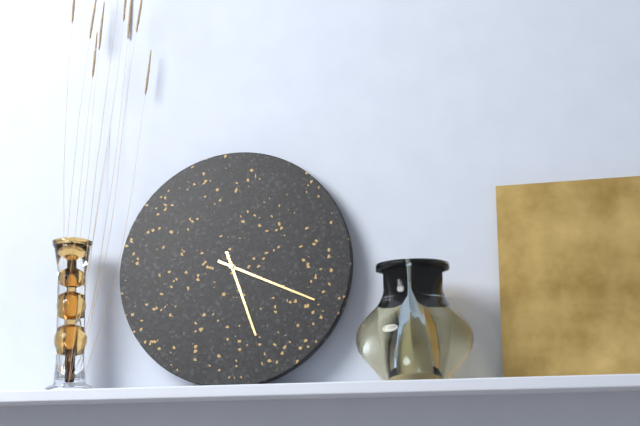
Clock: 5.19
